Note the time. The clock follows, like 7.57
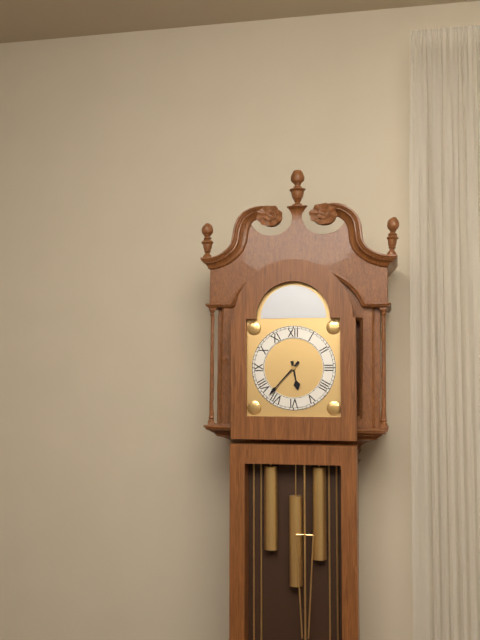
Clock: 5.37
